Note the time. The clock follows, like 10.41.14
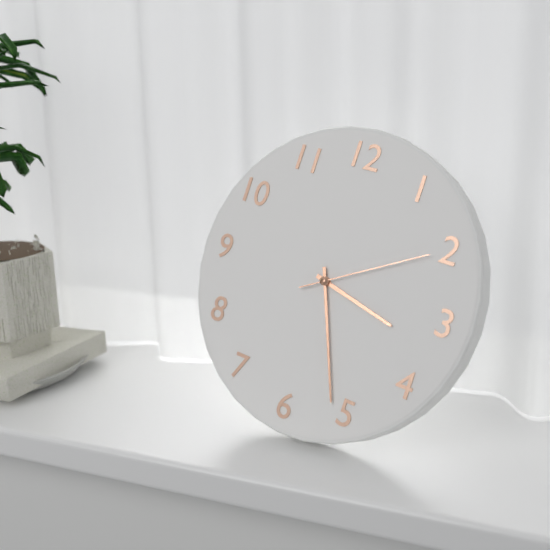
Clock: 3.26.10
